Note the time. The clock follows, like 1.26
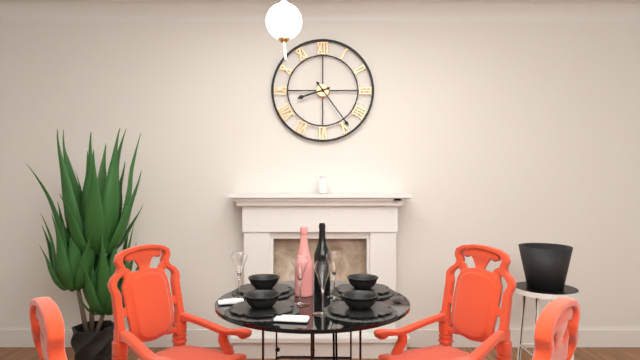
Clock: 8.24
